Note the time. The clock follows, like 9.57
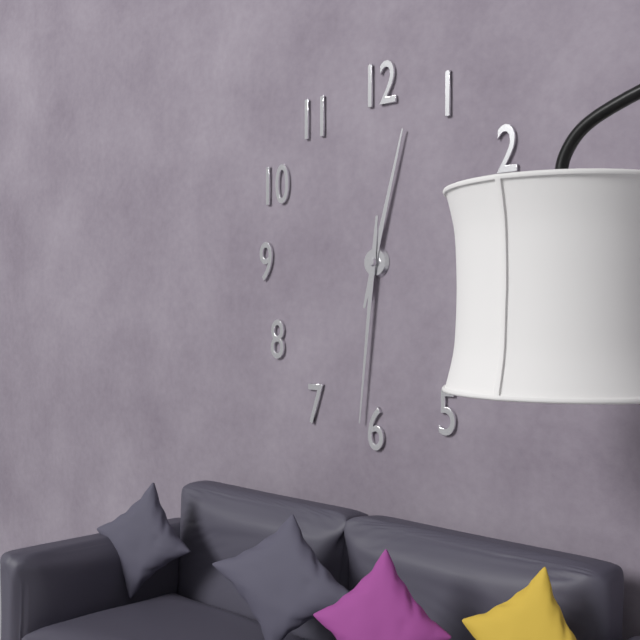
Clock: 12.31
